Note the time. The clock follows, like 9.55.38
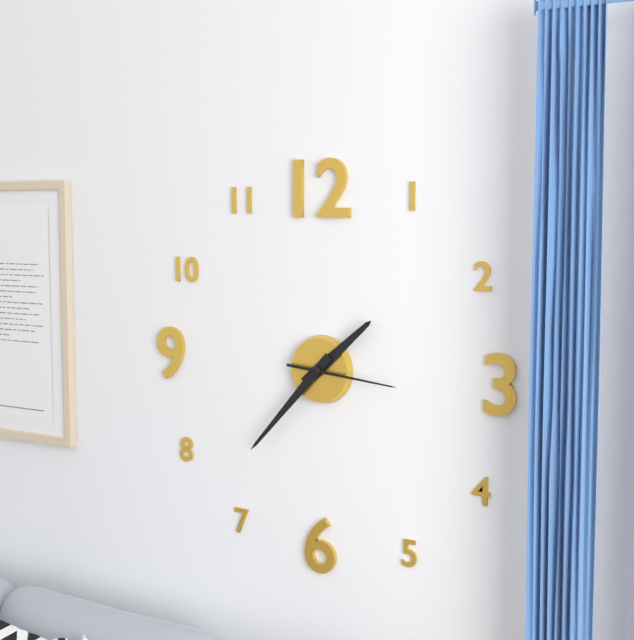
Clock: 1.37.16
